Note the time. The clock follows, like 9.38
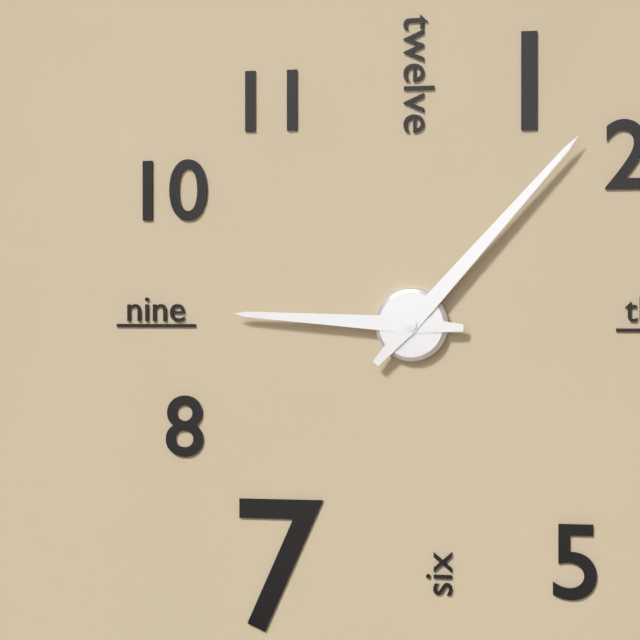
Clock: 9.07
